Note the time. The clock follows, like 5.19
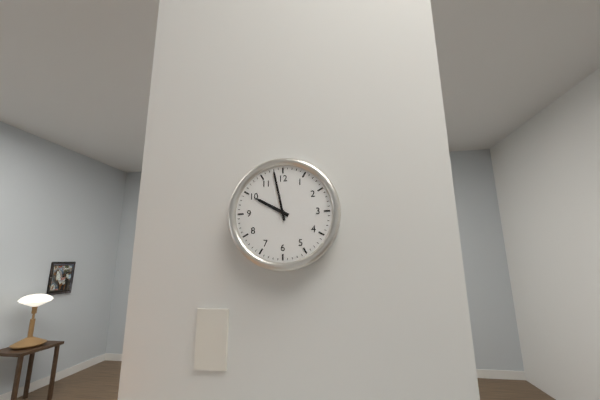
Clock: 9.58
